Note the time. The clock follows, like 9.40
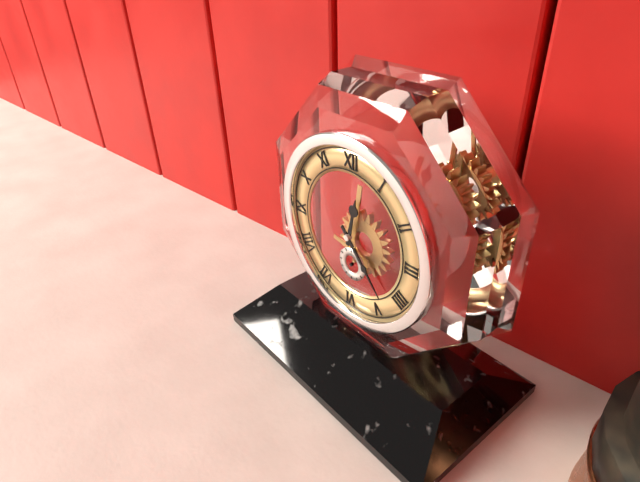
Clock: 12.23
